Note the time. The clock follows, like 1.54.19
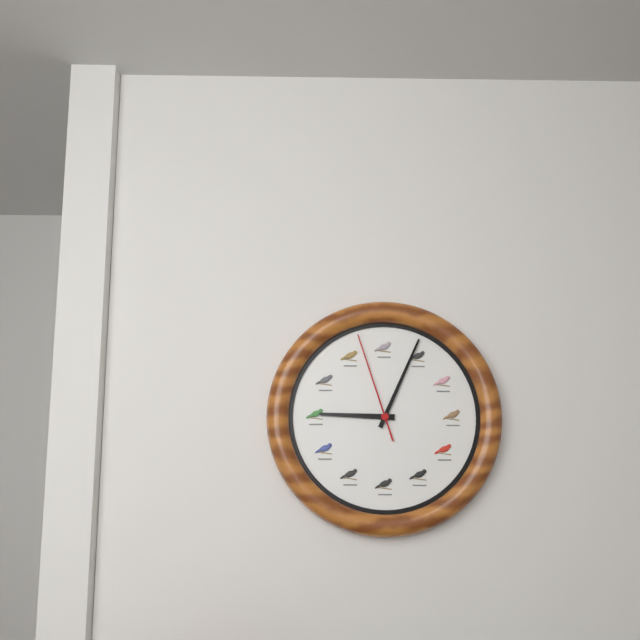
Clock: 9.04.57
